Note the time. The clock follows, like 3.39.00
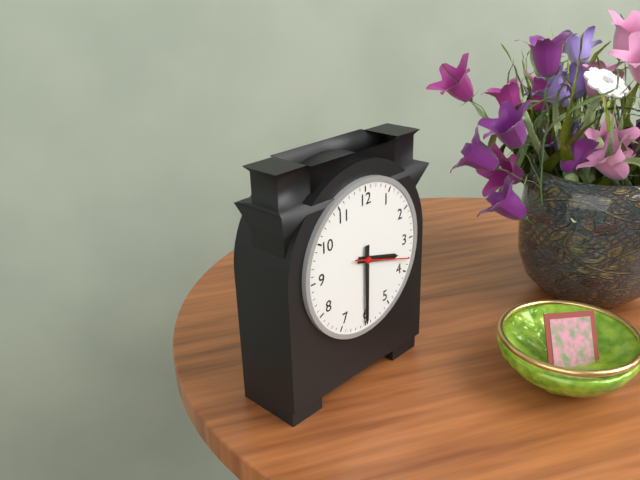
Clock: 3.30.18
